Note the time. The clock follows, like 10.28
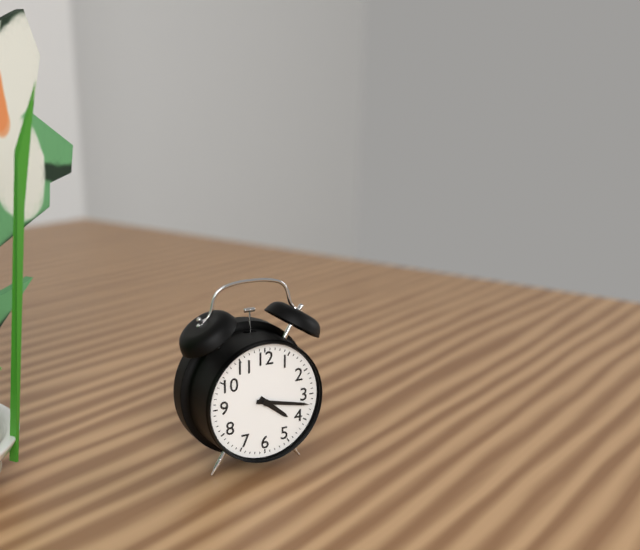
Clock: 4.17
